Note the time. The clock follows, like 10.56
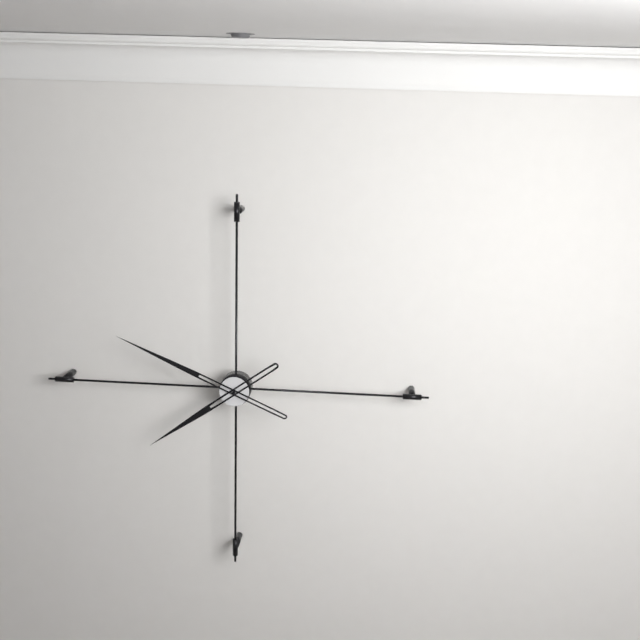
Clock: 7.49
